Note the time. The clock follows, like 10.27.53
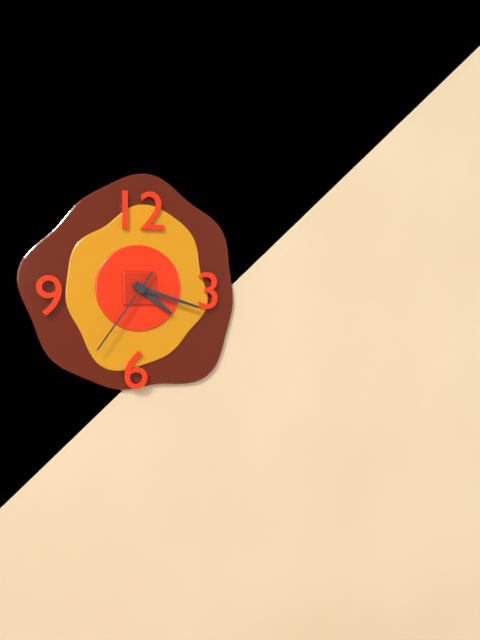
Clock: 4.18.36
